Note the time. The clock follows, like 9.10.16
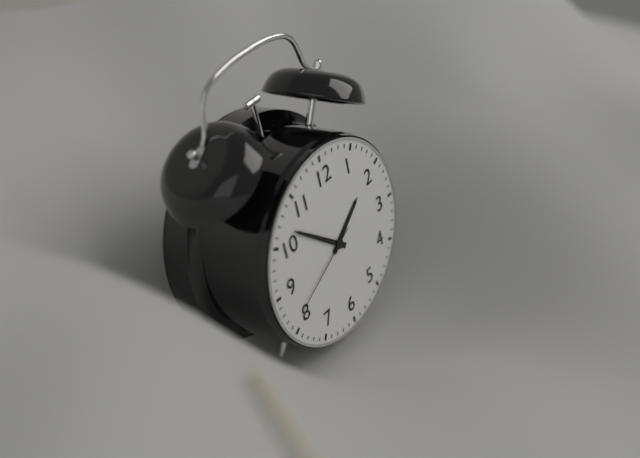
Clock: 1.52.41
